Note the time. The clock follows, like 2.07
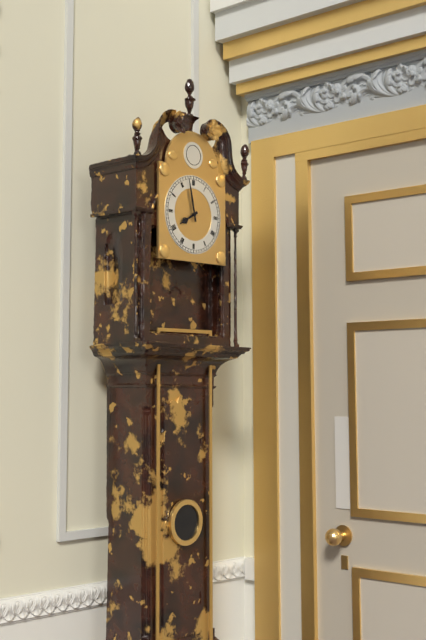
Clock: 7.58
